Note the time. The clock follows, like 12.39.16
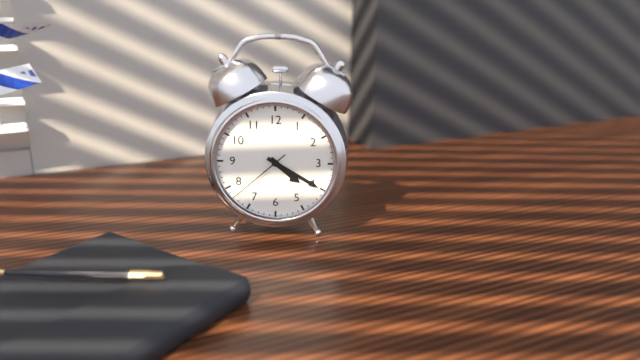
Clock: 4.20.38
